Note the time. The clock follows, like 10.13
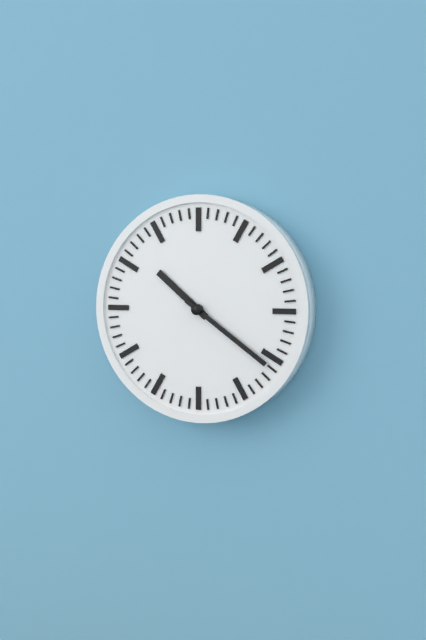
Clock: 10.21
